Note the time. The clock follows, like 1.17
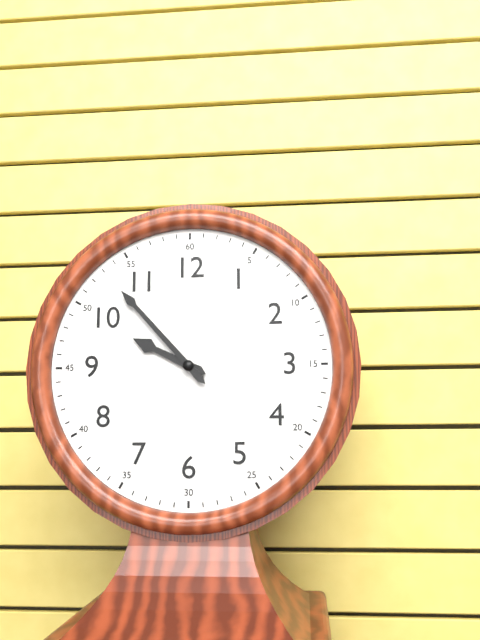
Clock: 9.53
